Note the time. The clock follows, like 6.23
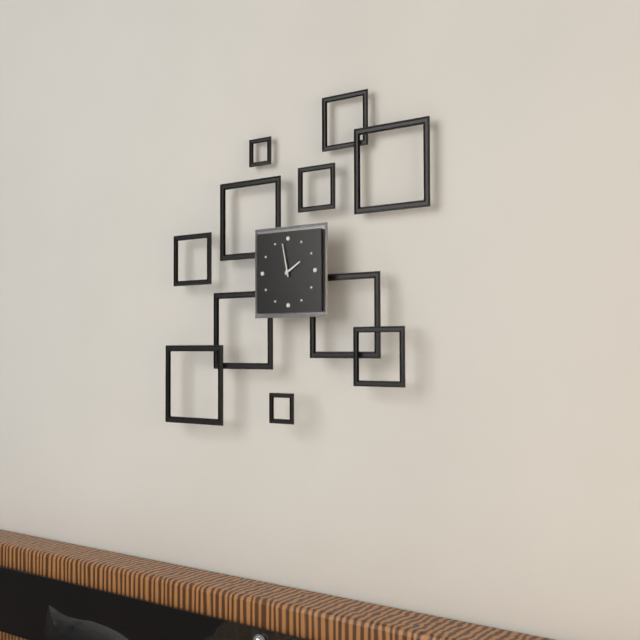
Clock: 1.58
